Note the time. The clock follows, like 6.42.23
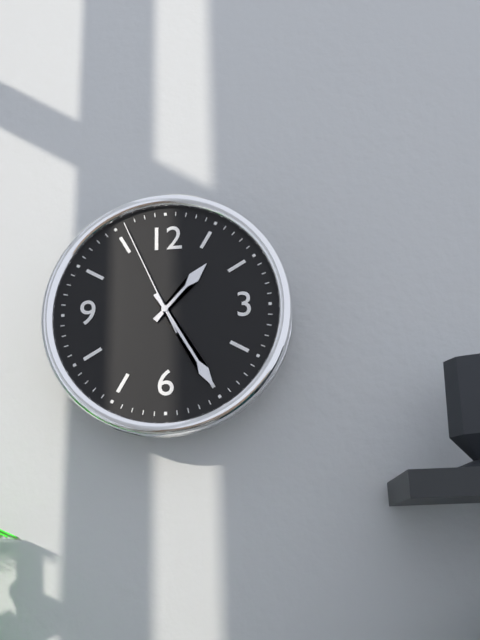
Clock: 1.25.56
